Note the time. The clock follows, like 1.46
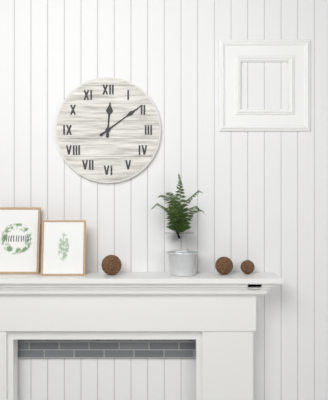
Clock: 12.09
